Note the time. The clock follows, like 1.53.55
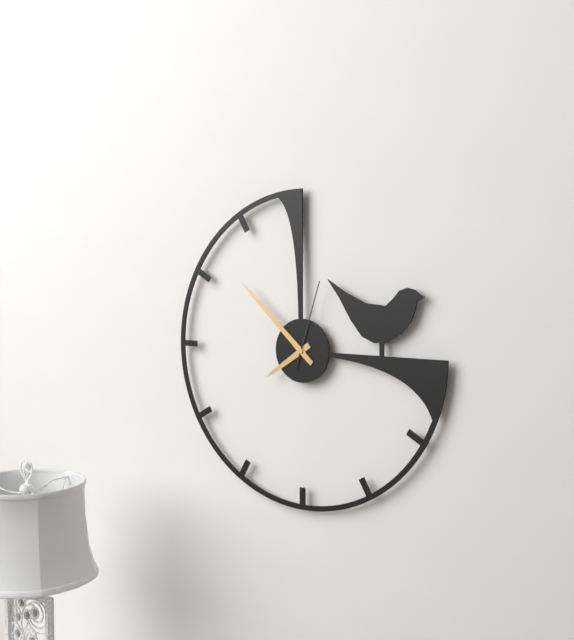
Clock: 7.52.03
